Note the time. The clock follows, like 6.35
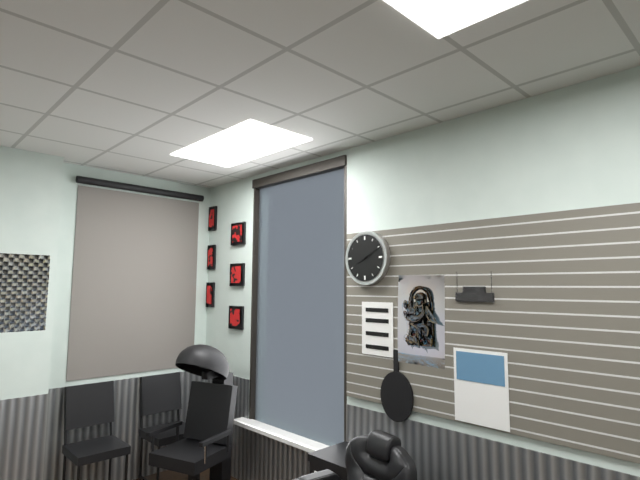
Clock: 8.10
